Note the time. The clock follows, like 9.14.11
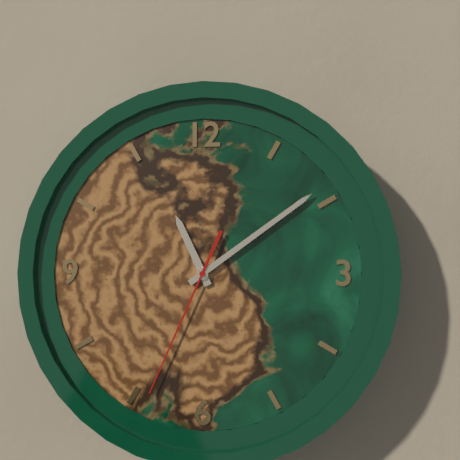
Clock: 11.09.34
